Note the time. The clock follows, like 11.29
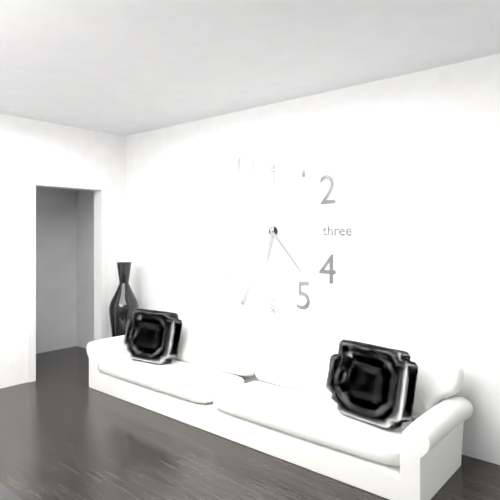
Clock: 6.23
